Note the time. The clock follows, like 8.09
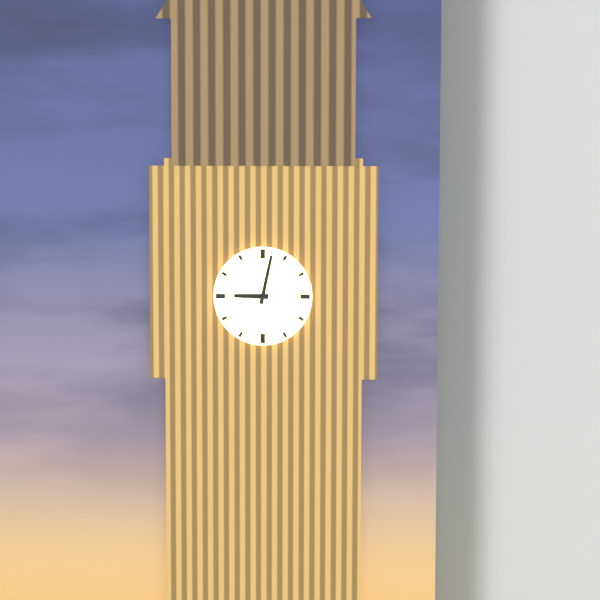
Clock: 9.02
